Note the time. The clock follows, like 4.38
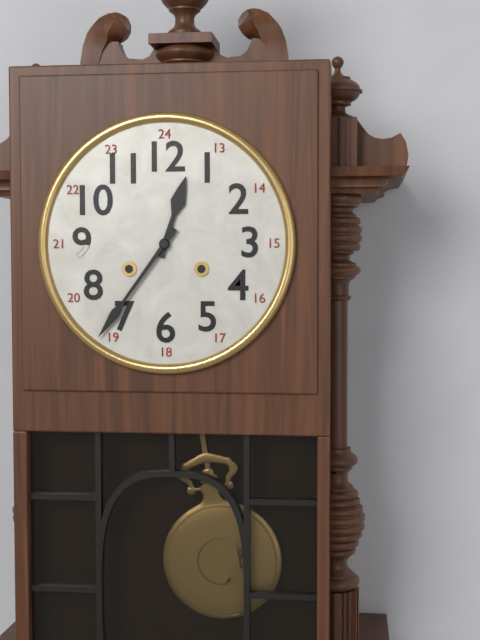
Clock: 12.36
